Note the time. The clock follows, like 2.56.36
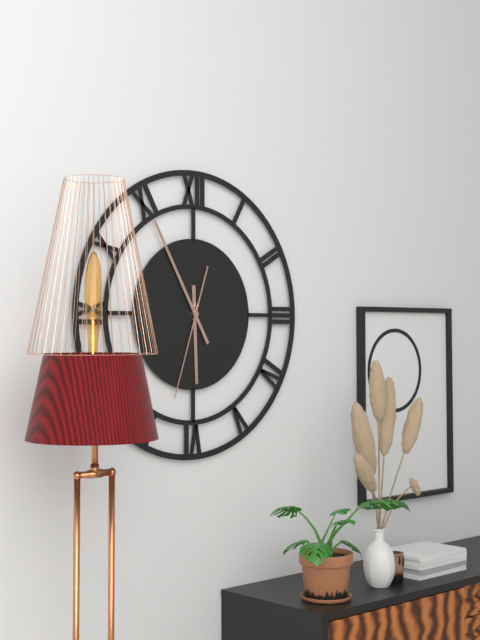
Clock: 5.55.33
